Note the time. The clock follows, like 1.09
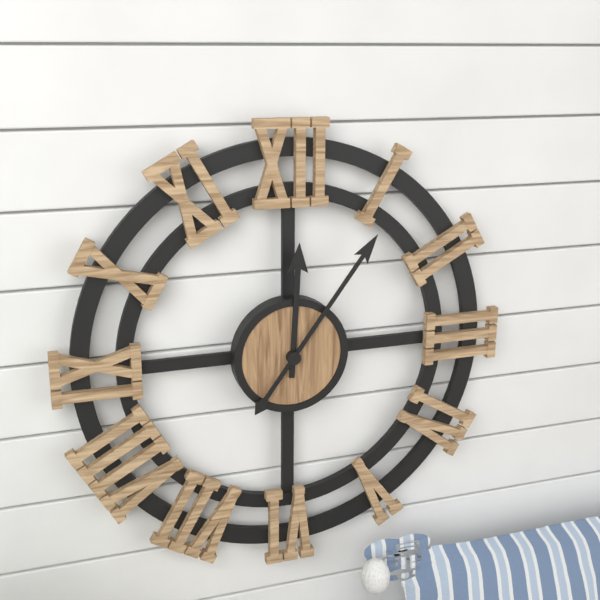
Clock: 12.06
